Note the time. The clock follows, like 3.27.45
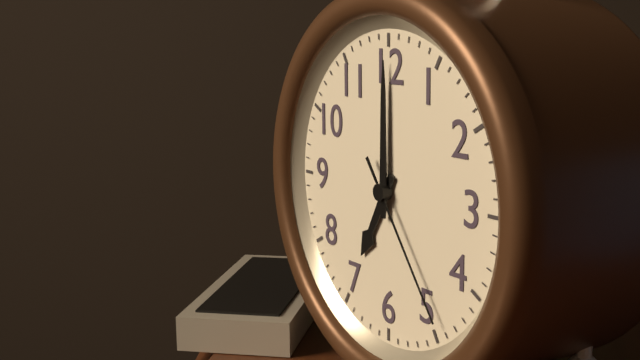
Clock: 7.00.24
